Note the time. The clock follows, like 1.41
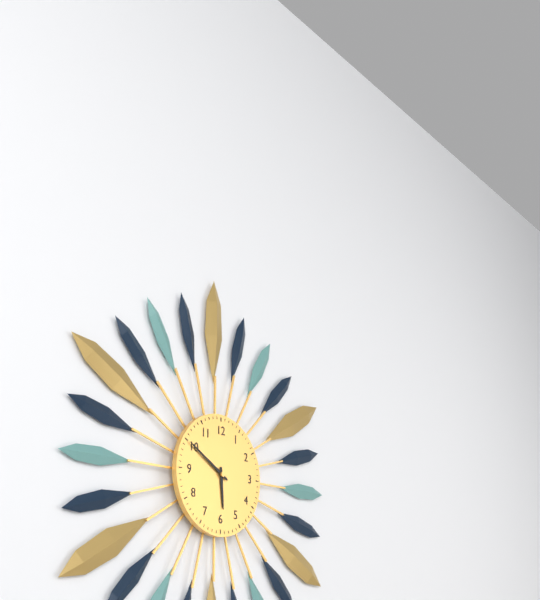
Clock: 5.50
